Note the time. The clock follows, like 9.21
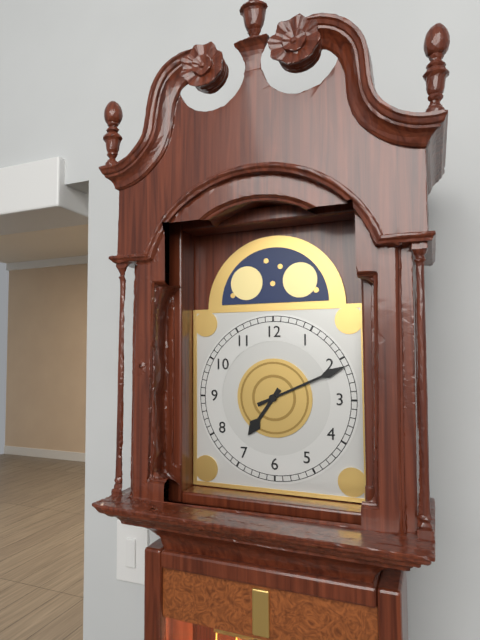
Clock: 7.11
